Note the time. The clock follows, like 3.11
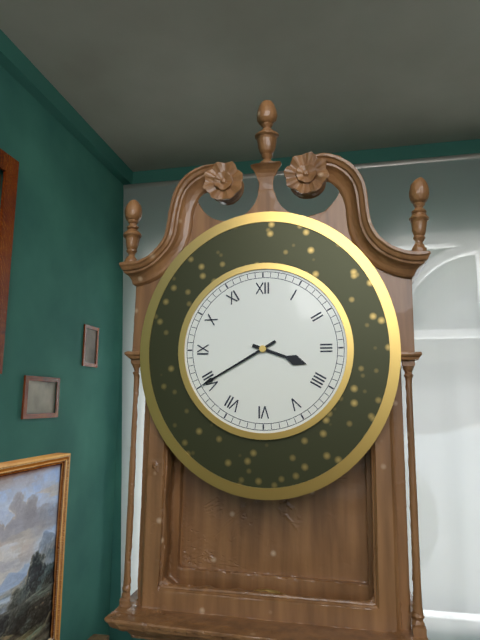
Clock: 3.40
